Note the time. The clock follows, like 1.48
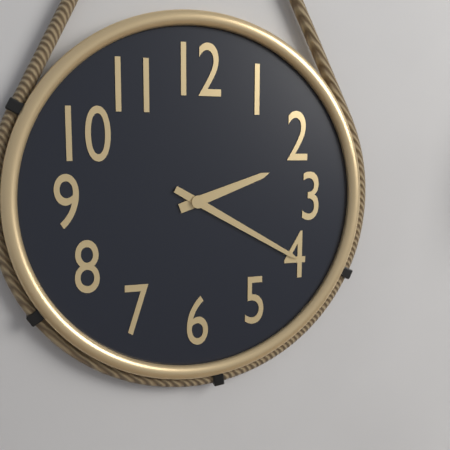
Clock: 2.20
